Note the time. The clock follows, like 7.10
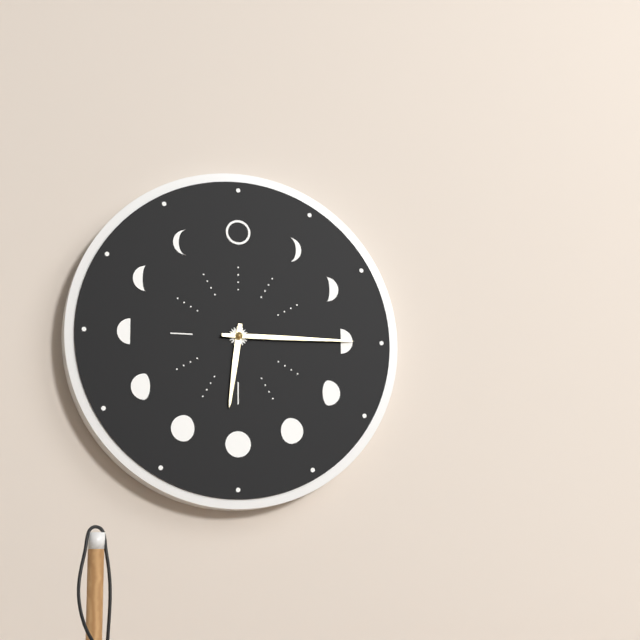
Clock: 6.15
